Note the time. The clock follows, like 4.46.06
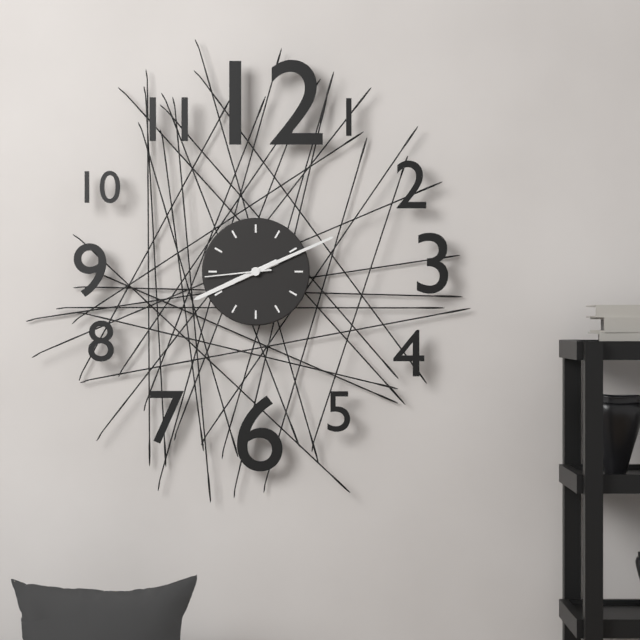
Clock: 8.11.44
